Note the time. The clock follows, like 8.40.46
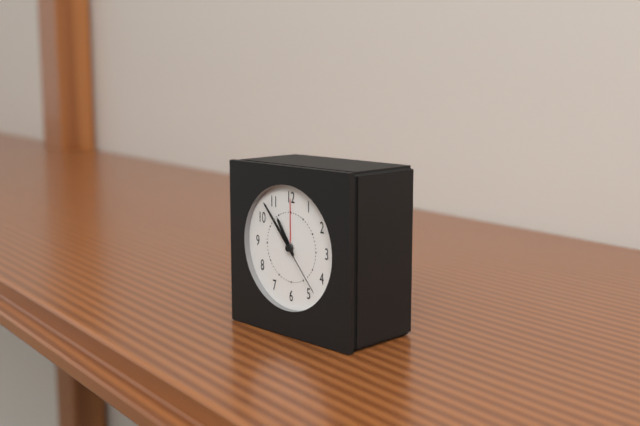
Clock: 10.53.23
